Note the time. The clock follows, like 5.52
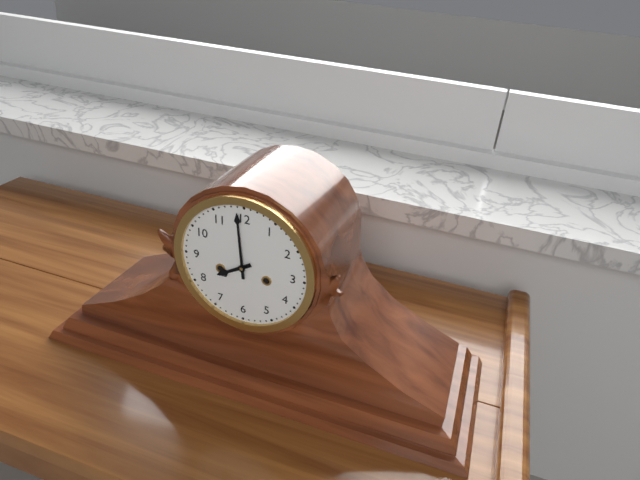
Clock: 7.59
